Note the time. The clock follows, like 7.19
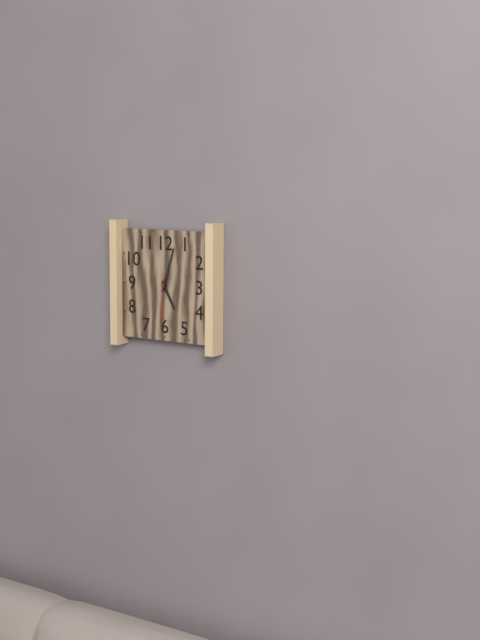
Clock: 5.03
